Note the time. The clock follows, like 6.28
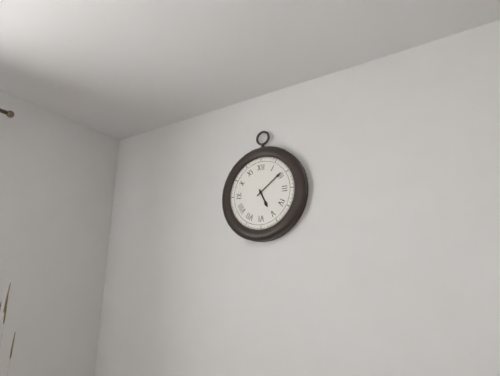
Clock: 5.09
